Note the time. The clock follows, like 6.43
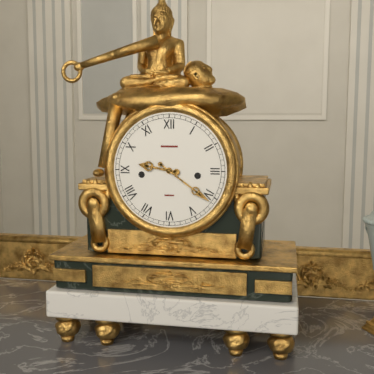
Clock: 9.21
